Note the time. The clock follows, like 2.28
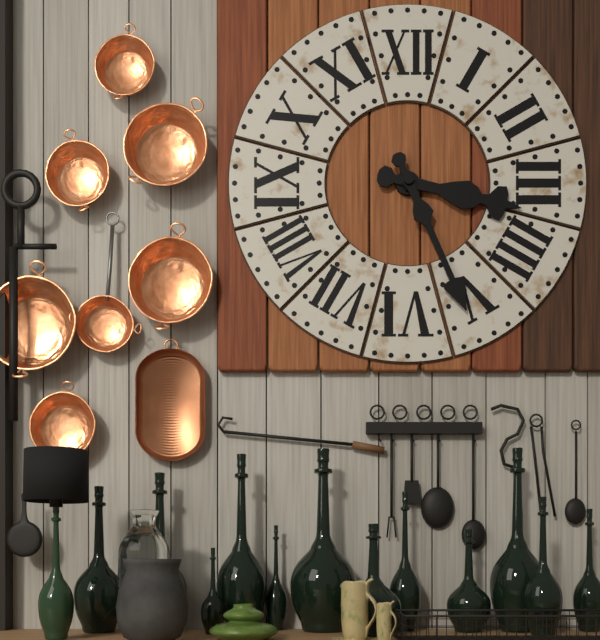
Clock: 3.26
